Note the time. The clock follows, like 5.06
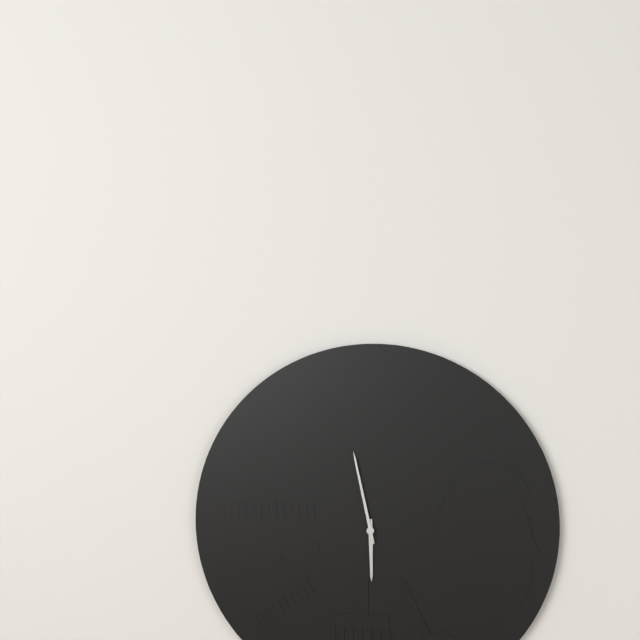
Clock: 5.58
